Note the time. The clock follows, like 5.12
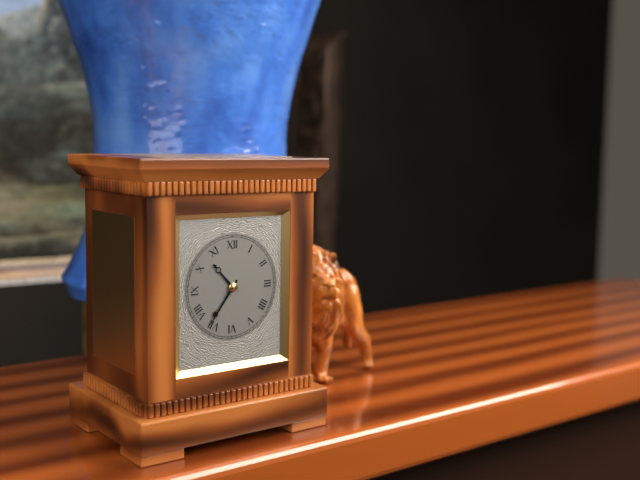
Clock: 10.36
